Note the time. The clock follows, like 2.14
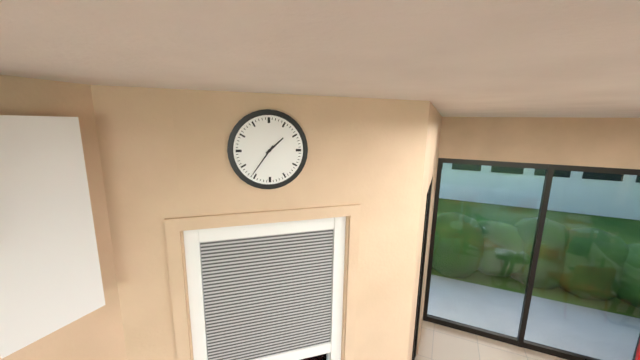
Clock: 1.36
